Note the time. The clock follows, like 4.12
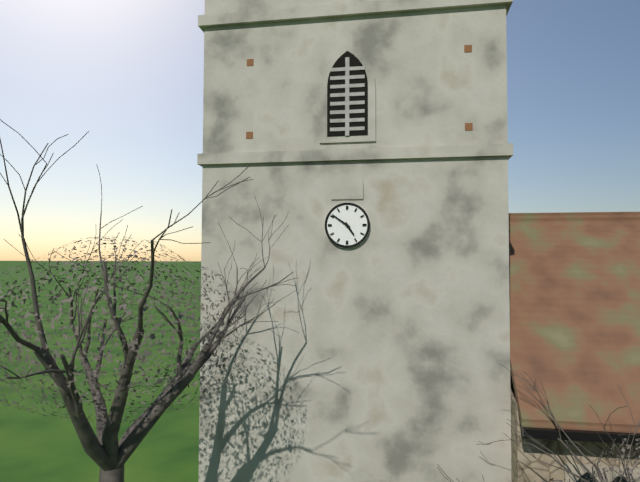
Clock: 4.51
